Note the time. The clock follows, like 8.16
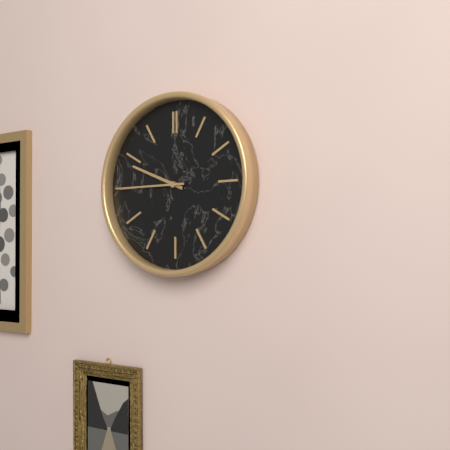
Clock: 9.45
